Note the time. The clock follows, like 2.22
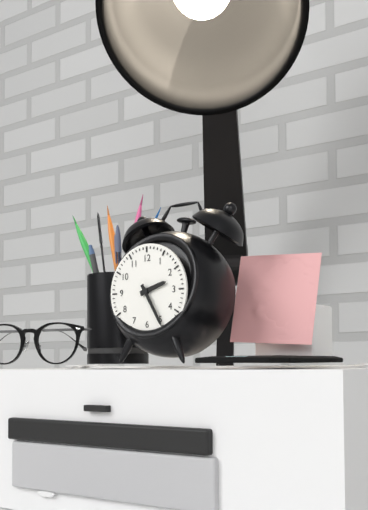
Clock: 2.25
